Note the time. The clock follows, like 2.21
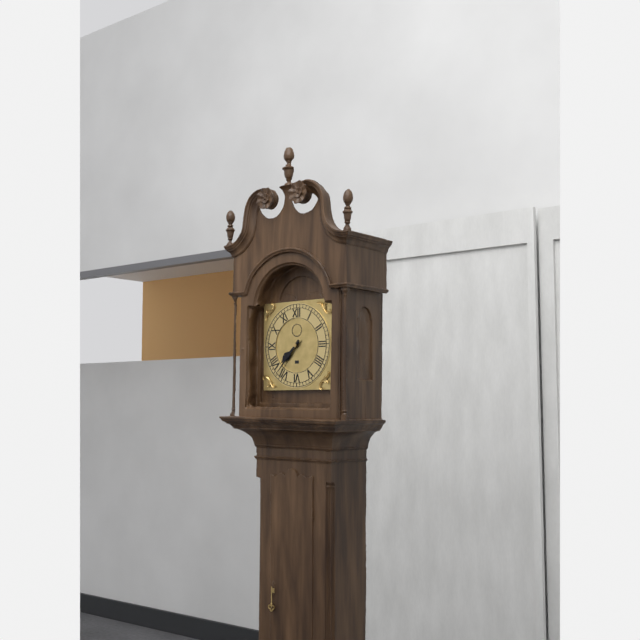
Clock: 7.37
